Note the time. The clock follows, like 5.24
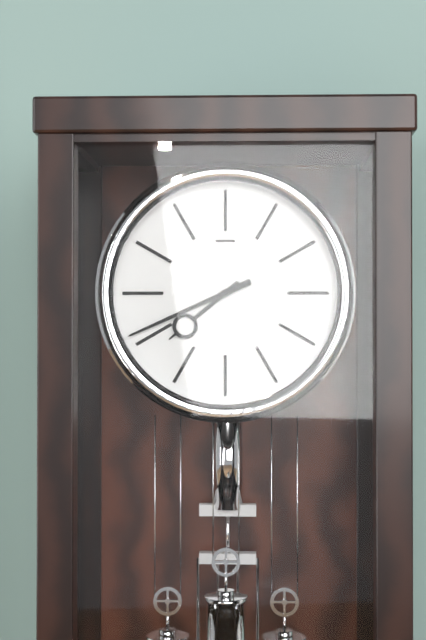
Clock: 7.41
